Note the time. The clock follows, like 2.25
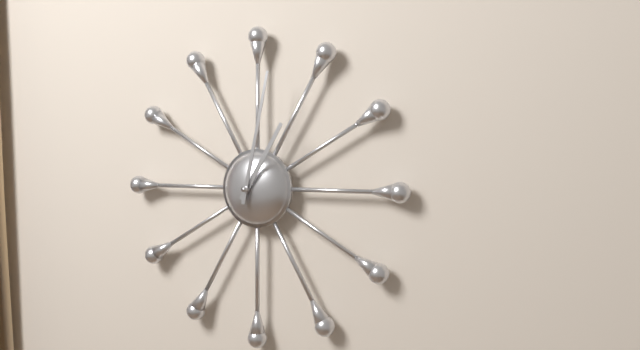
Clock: 1.02
